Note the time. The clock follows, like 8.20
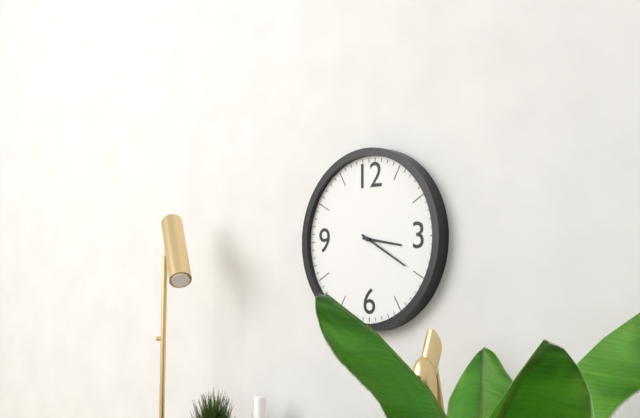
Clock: 3.20
